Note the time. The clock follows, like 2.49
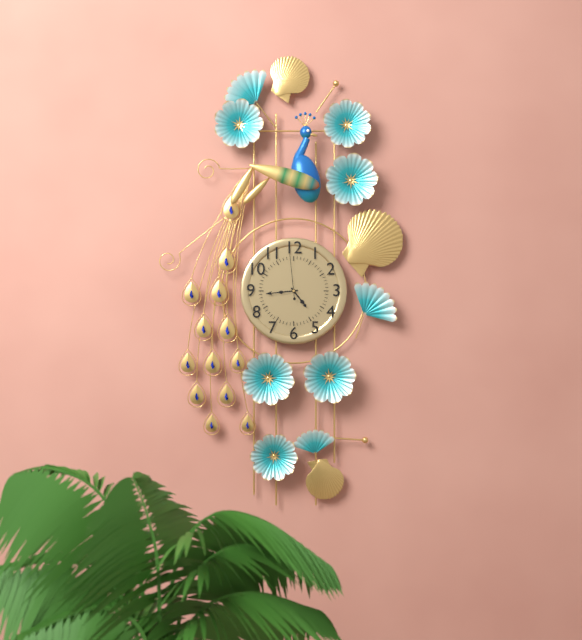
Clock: 4.44
